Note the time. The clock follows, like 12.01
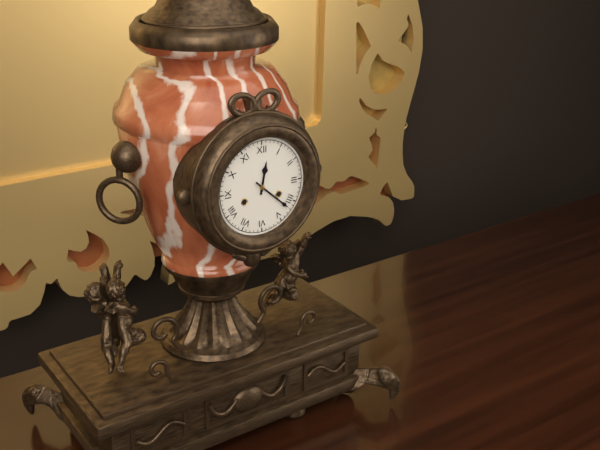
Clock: 12.22
